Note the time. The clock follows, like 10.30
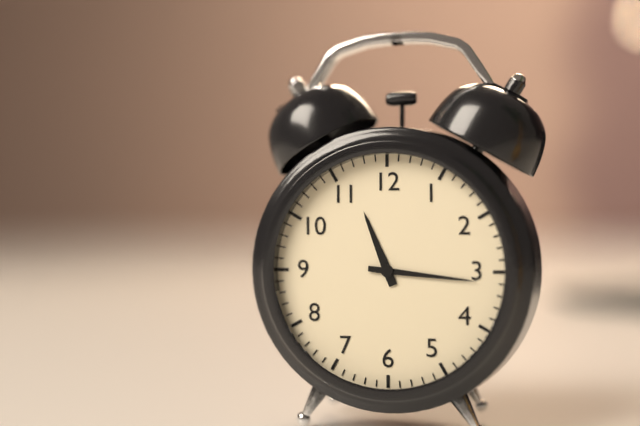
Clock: 11.16
